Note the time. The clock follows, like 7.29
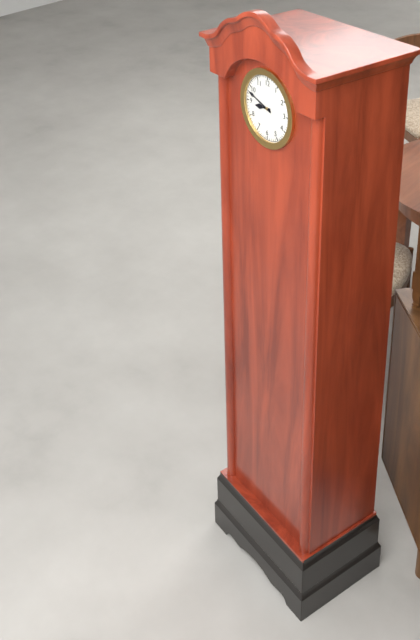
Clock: 8.48
